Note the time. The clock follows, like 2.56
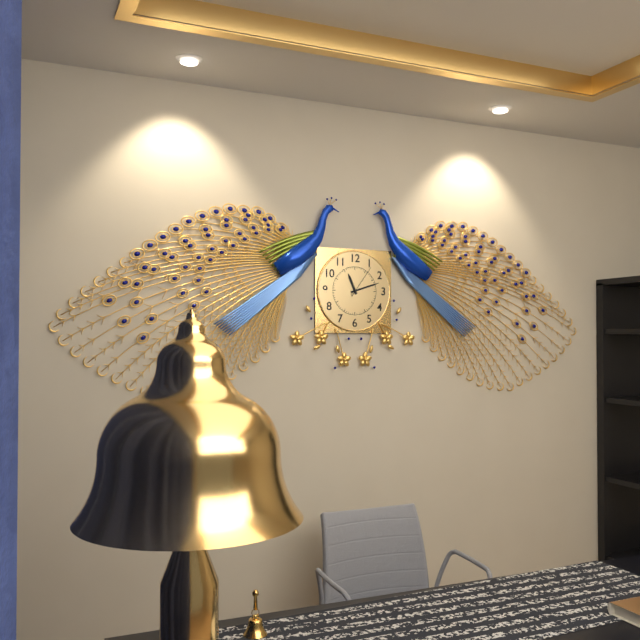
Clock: 11.12
